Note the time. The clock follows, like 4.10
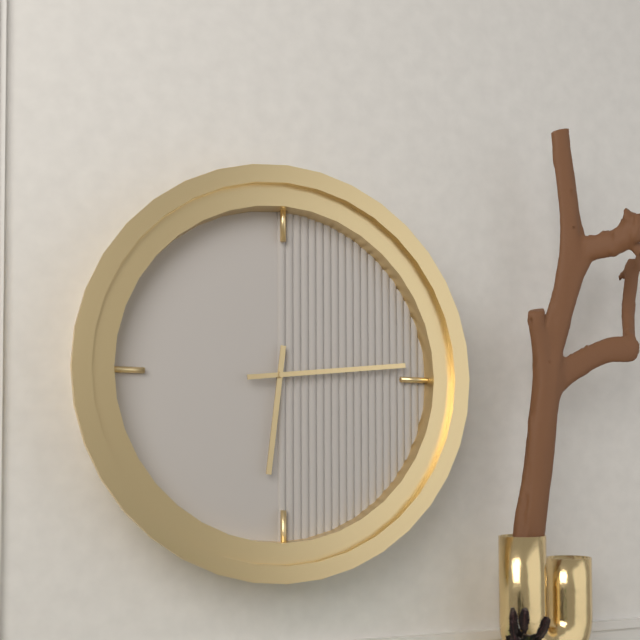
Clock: 6.14
